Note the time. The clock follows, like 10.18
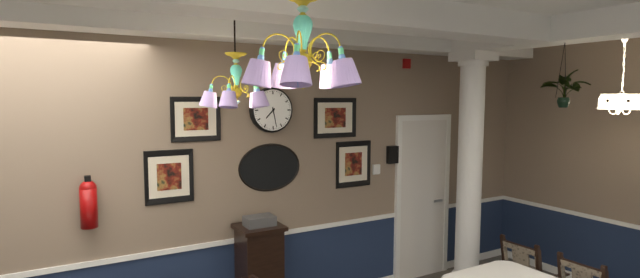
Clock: 7.28
